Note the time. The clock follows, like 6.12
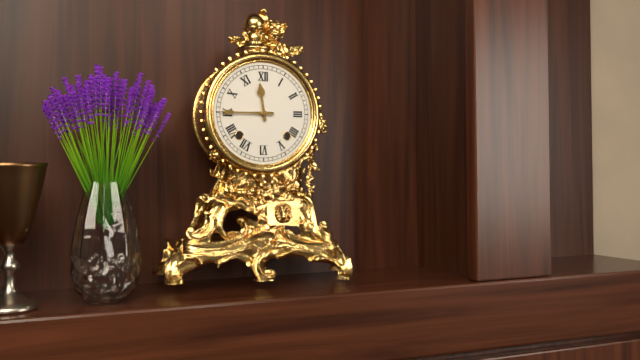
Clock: 11.45
